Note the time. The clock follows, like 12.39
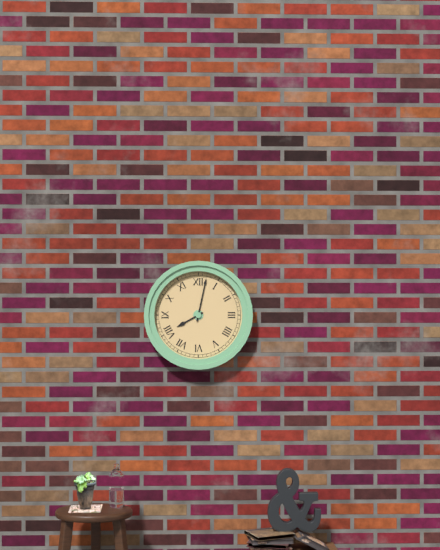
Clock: 8.02
